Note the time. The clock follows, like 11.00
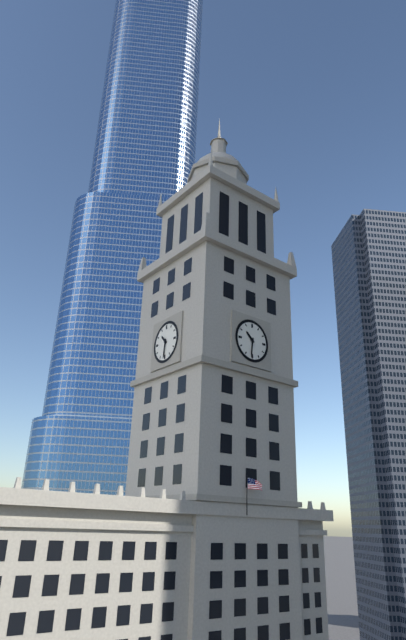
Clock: 10.31
